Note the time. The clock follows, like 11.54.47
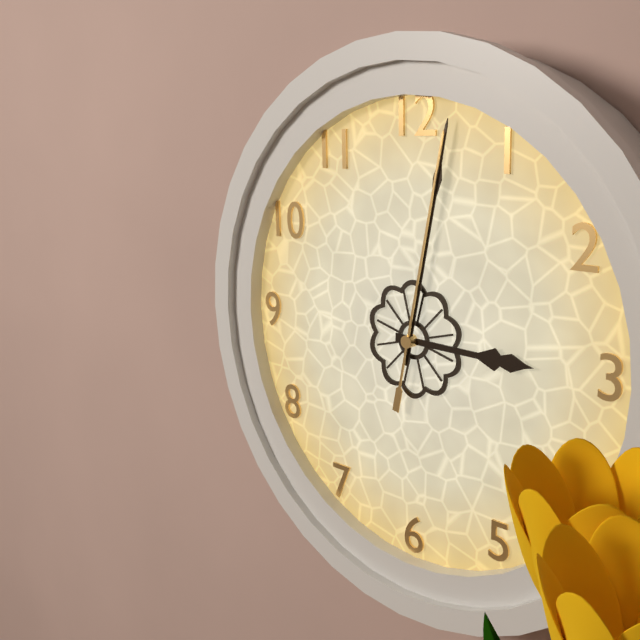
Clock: 3.02.02
